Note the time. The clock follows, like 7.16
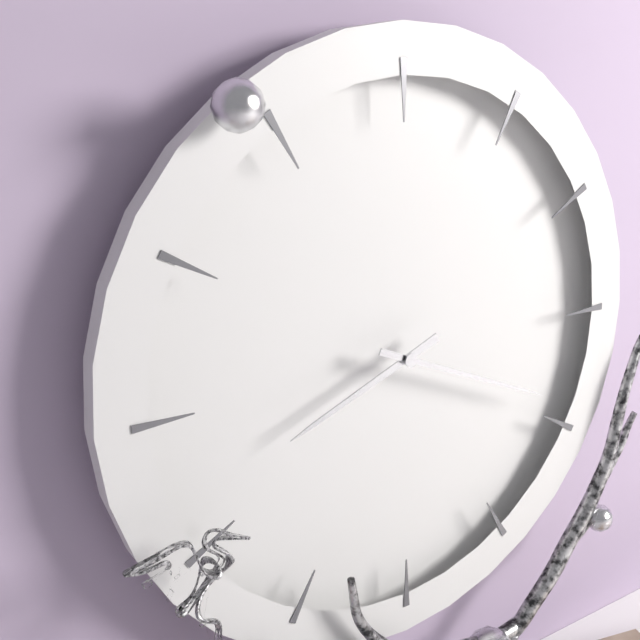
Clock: 8.19
